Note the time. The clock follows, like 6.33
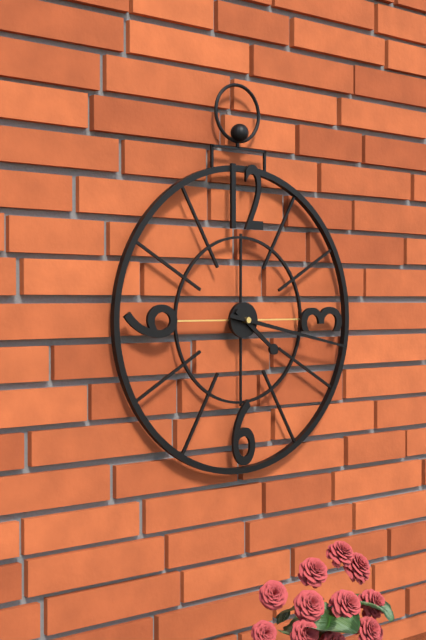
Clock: 4.17
